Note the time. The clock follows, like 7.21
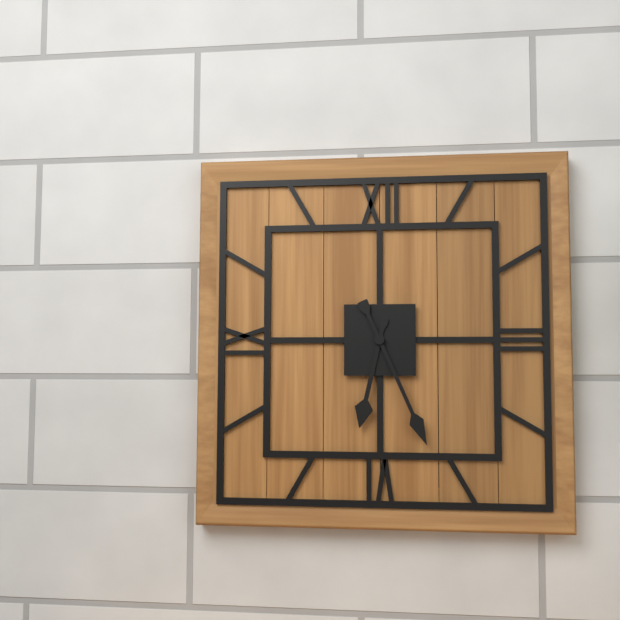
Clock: 6.26
